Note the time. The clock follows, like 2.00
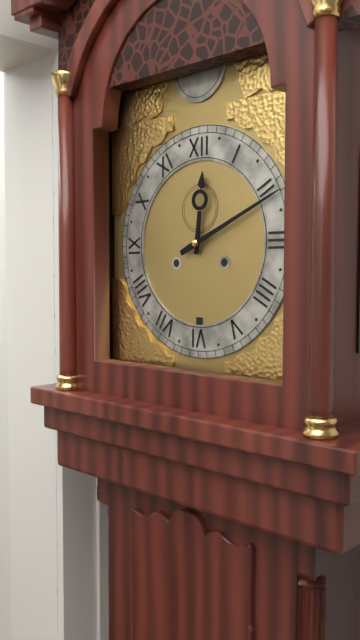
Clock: 12.11
